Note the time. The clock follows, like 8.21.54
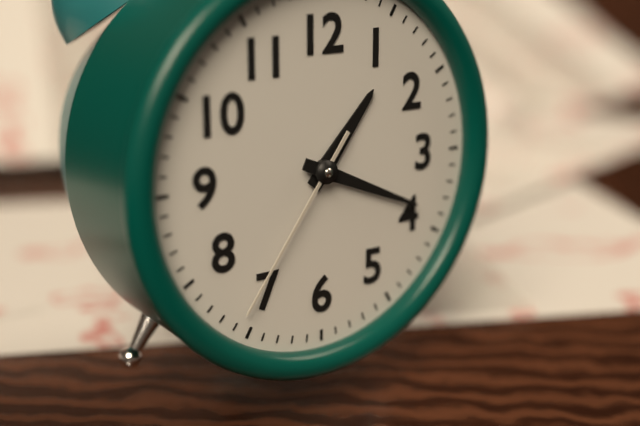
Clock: 1.19.36
